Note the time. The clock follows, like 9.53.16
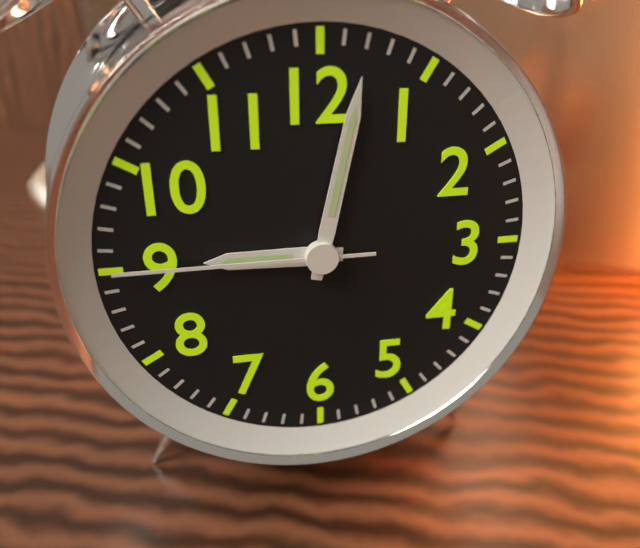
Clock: 9.02.45
